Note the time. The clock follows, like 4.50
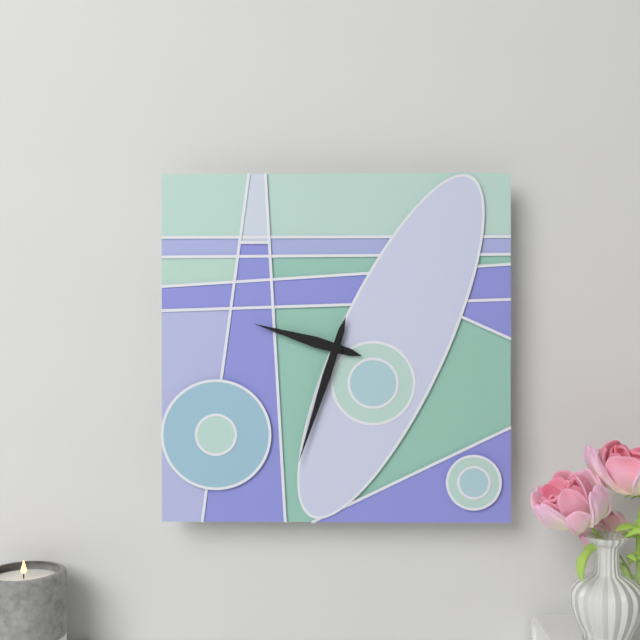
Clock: 9.33
